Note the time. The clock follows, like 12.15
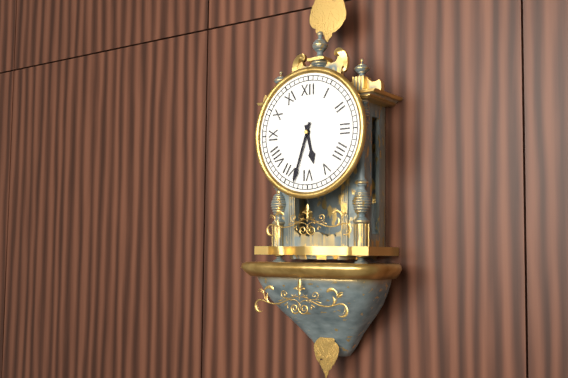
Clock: 5.33
